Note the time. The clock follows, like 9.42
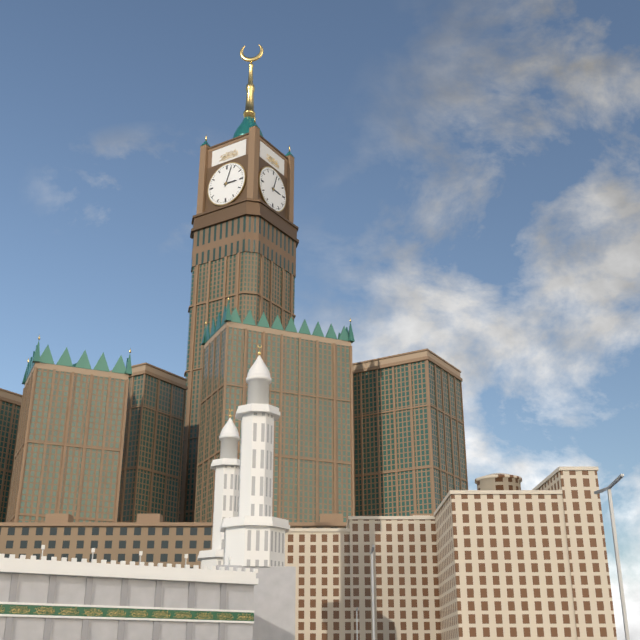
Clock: 3.03
